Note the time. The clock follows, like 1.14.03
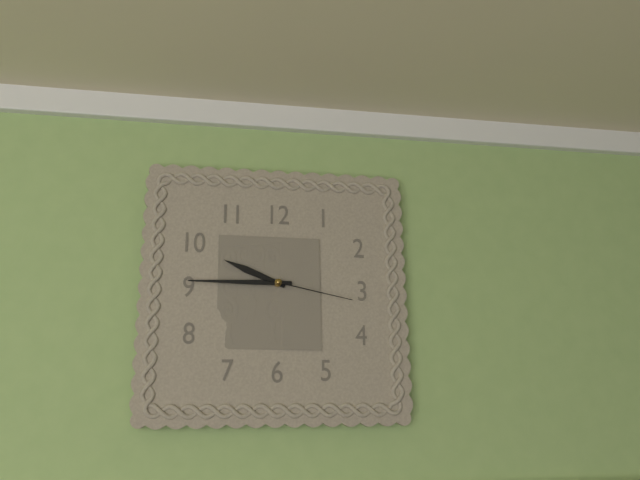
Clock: 9.45.17
